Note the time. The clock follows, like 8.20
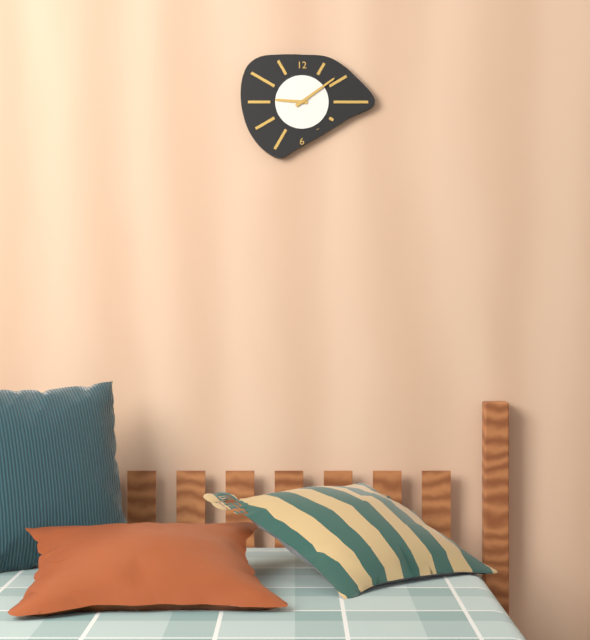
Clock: 9.09
